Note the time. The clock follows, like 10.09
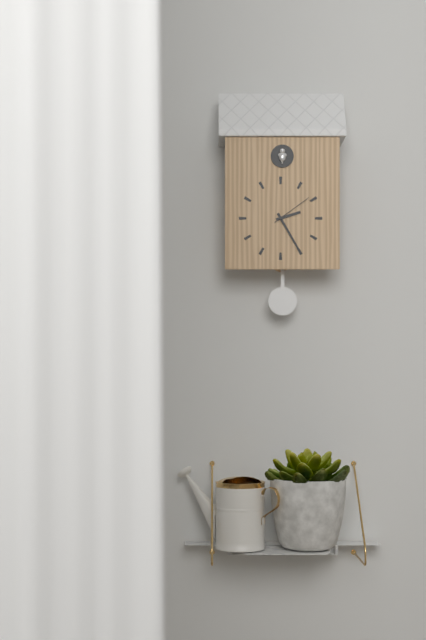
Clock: 2.25
